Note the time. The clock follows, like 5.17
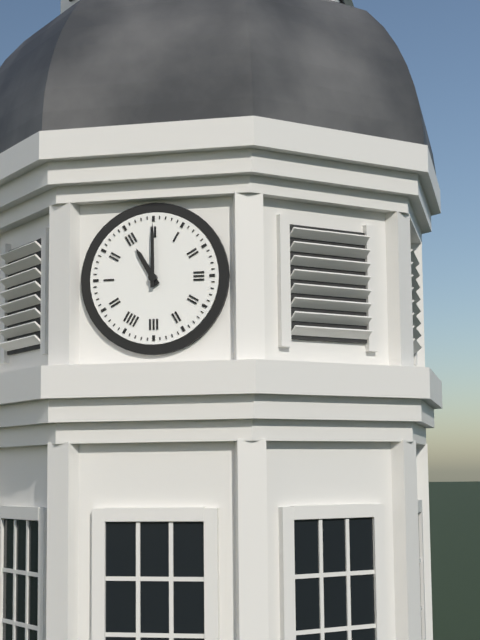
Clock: 11.00
